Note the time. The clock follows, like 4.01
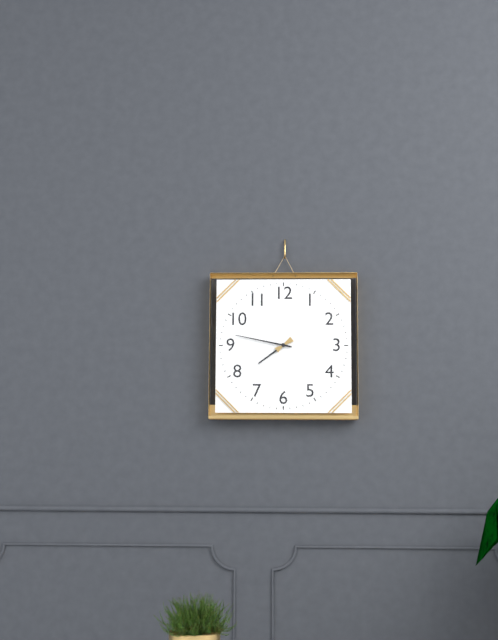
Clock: 7.47
